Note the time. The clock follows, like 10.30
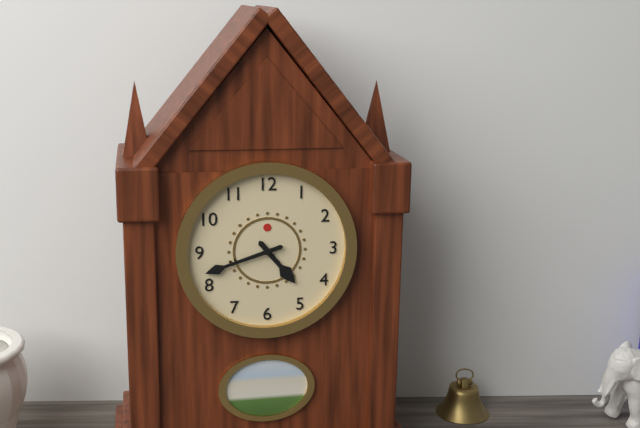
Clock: 4.42
